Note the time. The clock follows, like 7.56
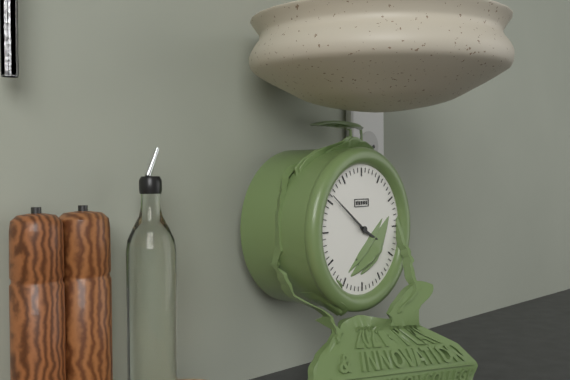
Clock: 3.51
